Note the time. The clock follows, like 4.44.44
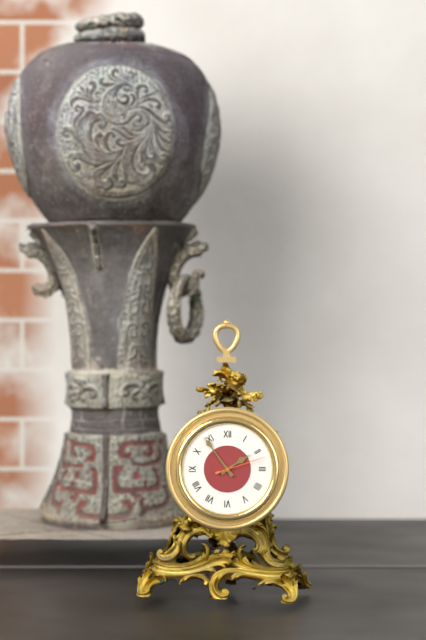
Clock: 1.54.12
